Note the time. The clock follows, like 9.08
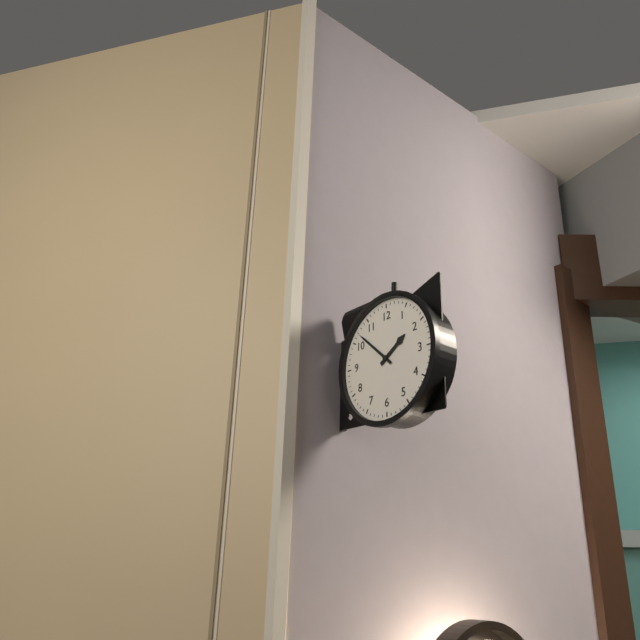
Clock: 1.52
